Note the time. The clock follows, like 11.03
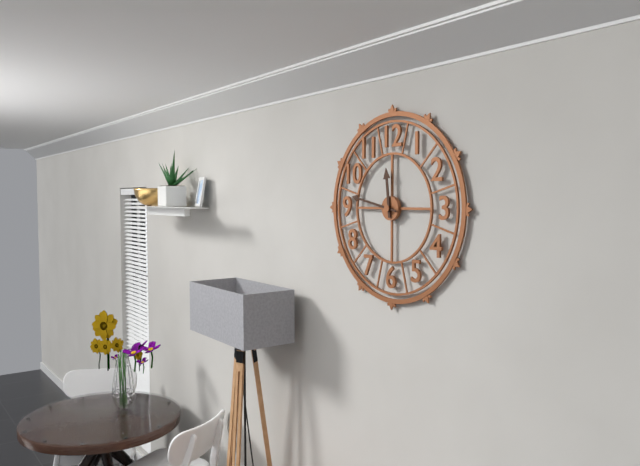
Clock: 11.47
